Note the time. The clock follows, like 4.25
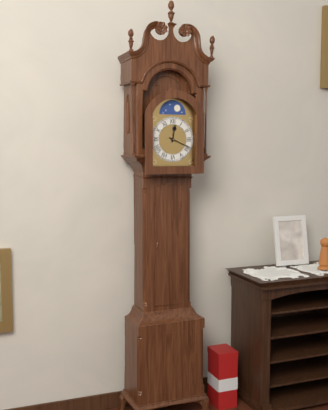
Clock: 12.19
